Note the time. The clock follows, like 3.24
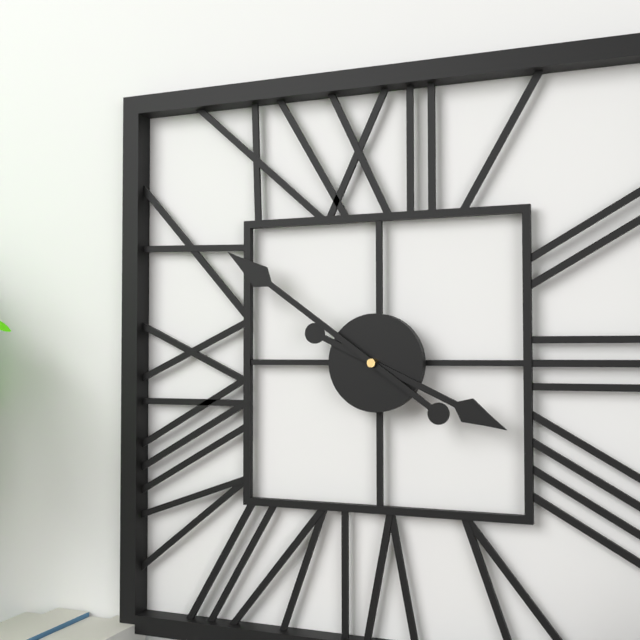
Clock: 3.51
